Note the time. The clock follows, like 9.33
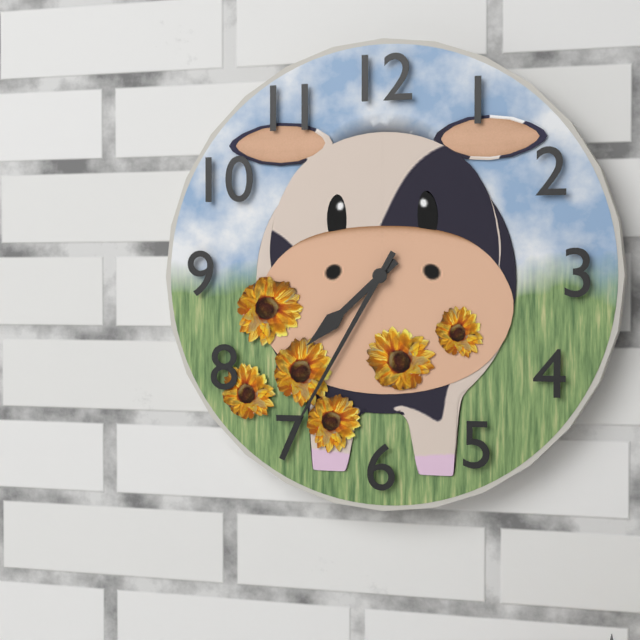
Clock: 7.35
